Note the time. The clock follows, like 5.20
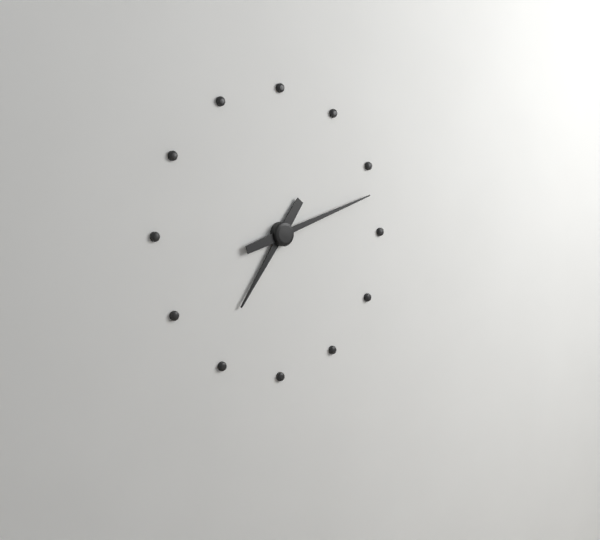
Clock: 7.12
